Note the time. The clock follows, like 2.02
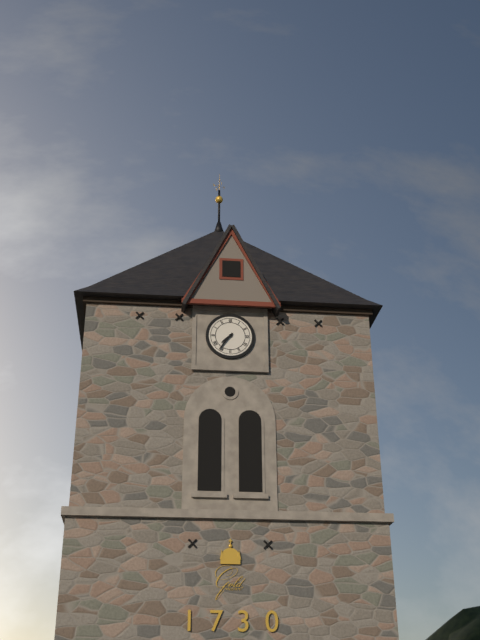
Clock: 7.36
